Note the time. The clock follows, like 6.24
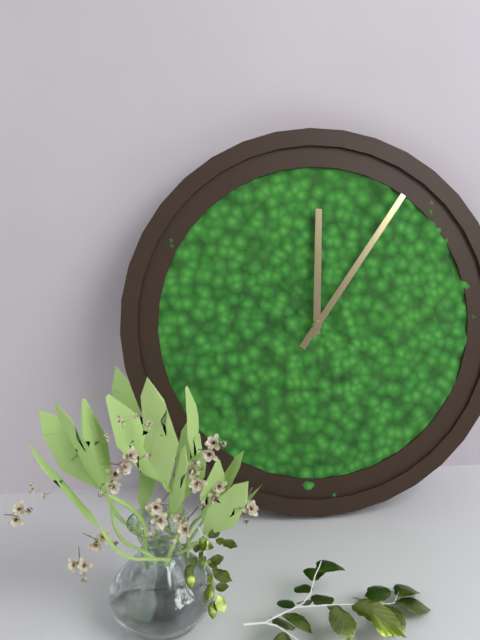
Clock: 12.06
